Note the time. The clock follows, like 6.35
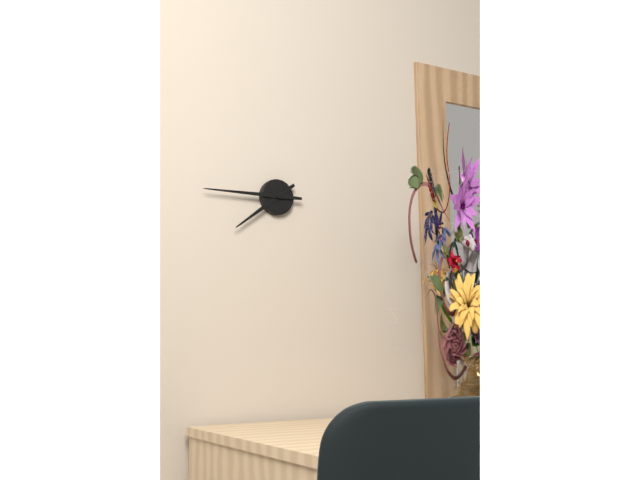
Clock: 7.45
